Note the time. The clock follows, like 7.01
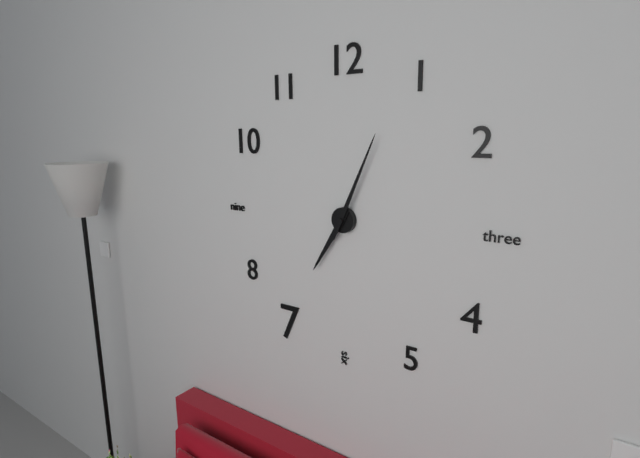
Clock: 7.04
